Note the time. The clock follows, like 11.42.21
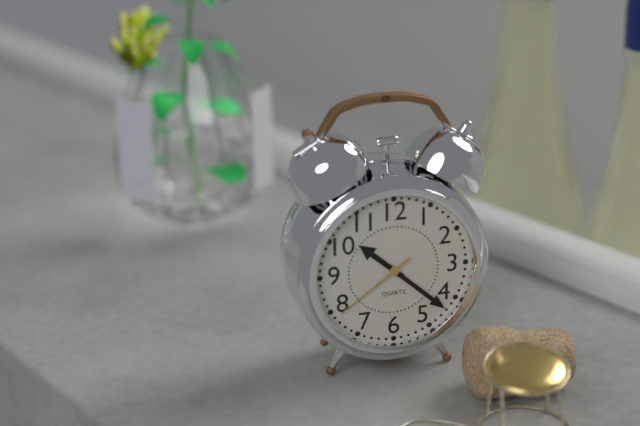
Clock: 10.22.39
